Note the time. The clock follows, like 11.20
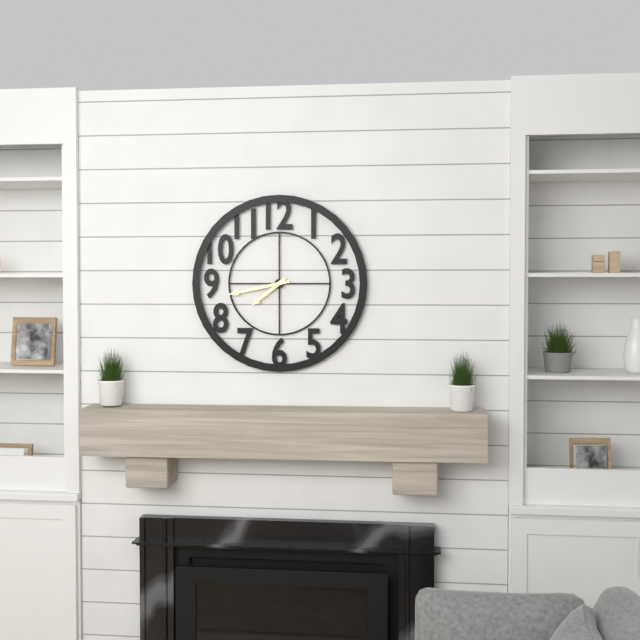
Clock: 7.43
